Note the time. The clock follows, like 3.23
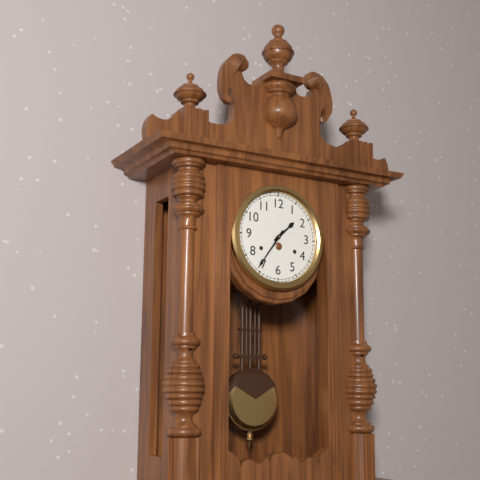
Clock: 1.36
